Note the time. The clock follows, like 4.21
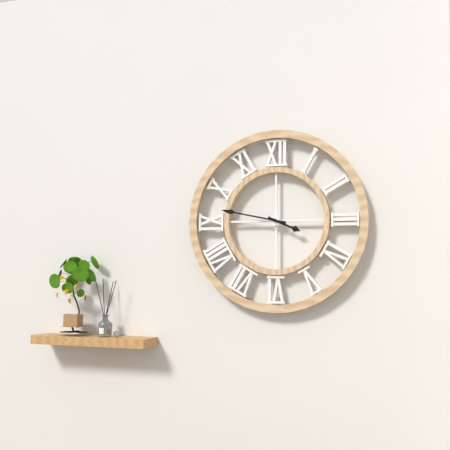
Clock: 3.47
